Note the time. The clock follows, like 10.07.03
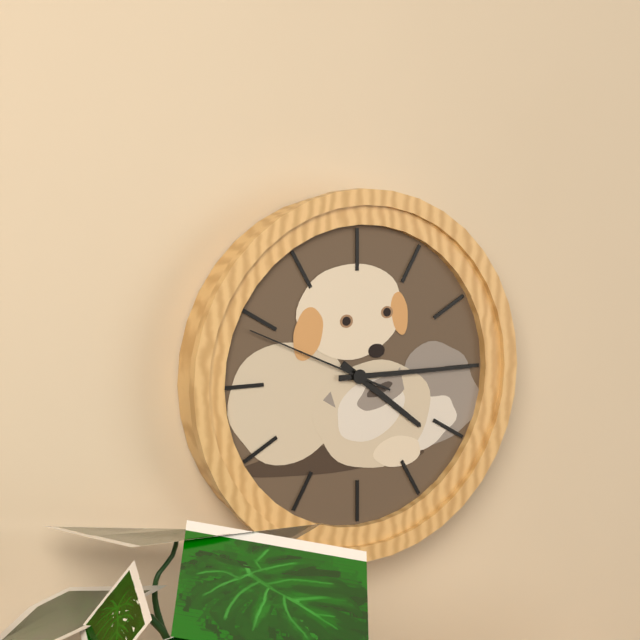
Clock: 4.15.49
